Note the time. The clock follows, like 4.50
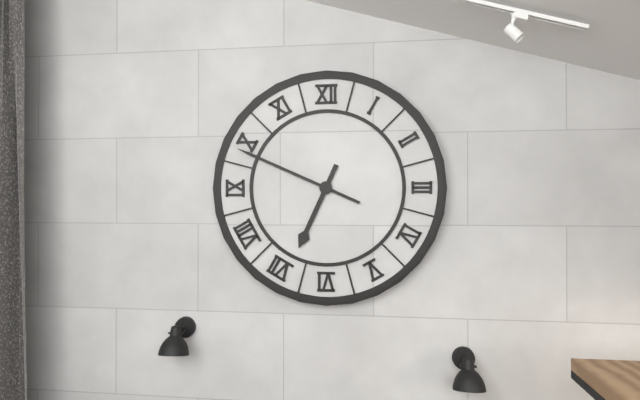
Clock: 6.49
